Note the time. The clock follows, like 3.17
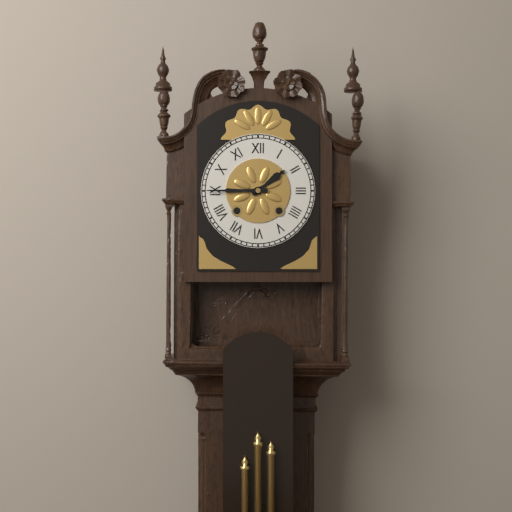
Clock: 1.45
